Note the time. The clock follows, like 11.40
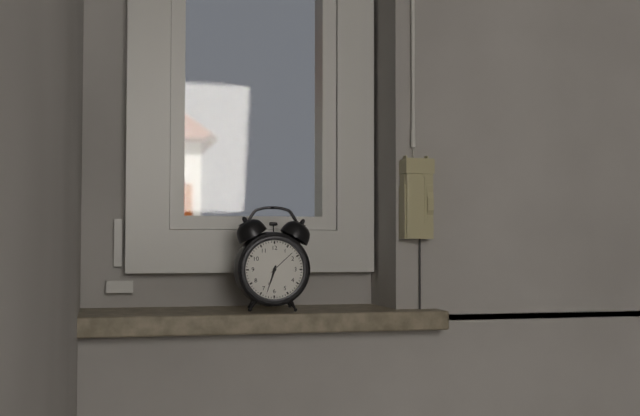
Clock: 6.33
